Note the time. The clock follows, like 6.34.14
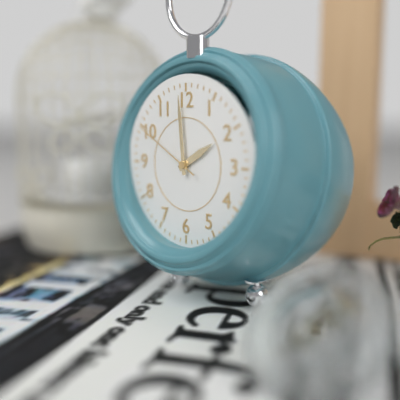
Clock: 1.59.50
